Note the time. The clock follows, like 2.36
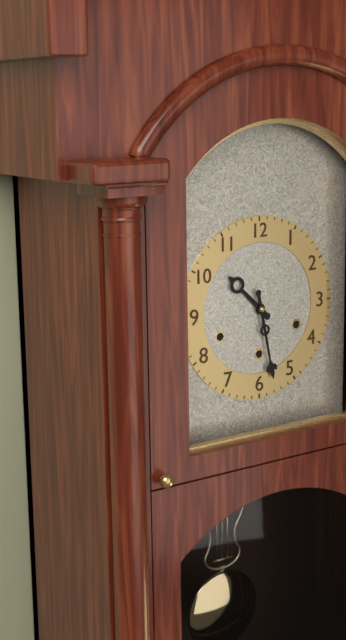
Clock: 10.28
